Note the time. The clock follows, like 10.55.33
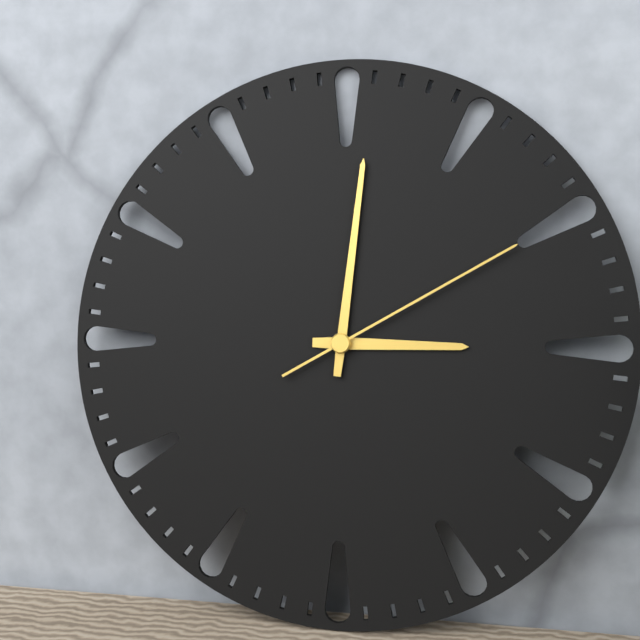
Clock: 3.01.10
